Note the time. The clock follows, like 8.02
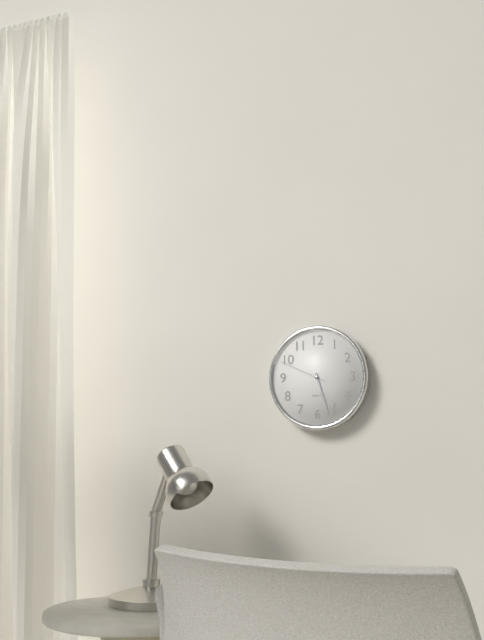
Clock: 5.27
